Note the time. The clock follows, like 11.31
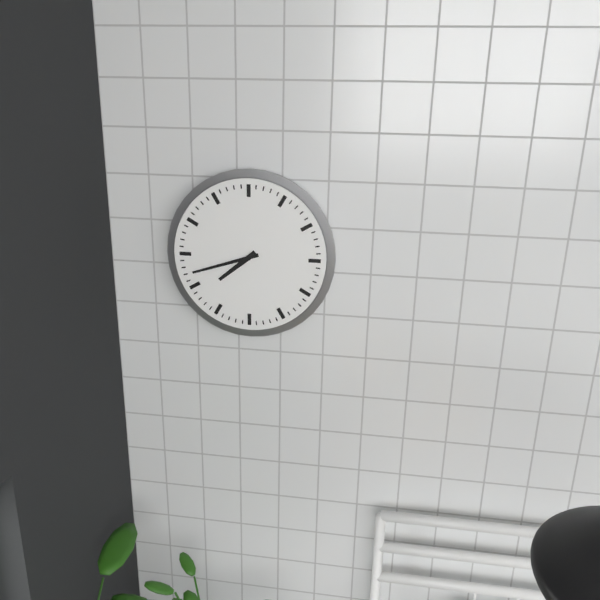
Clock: 7.42
